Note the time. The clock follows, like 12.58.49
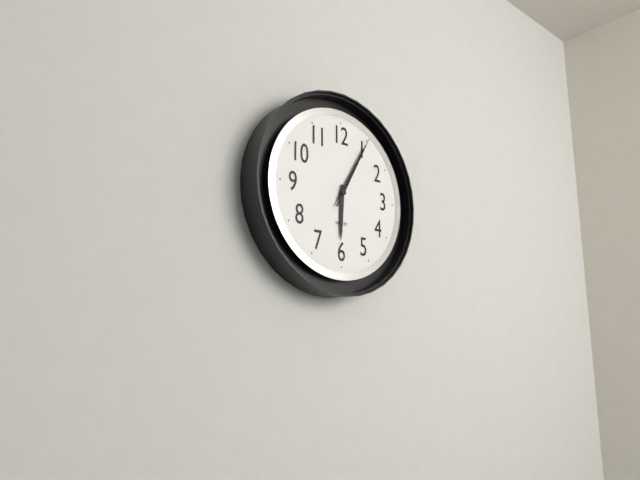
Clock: 6.05.05
